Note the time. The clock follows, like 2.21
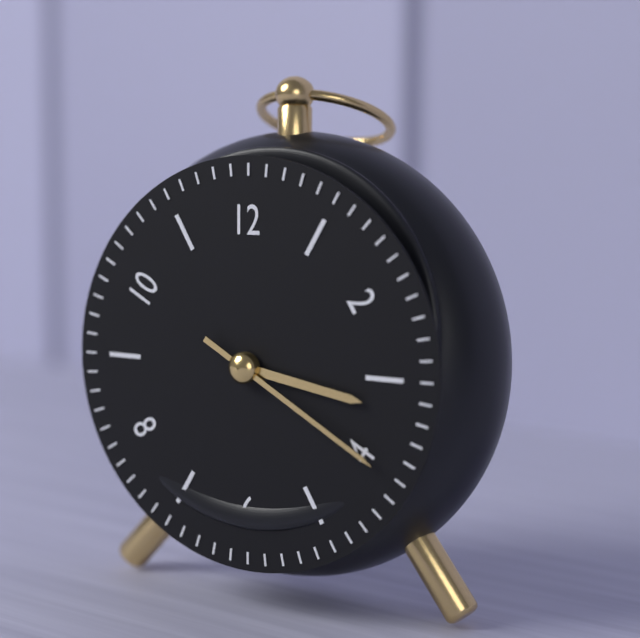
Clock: 3.20
